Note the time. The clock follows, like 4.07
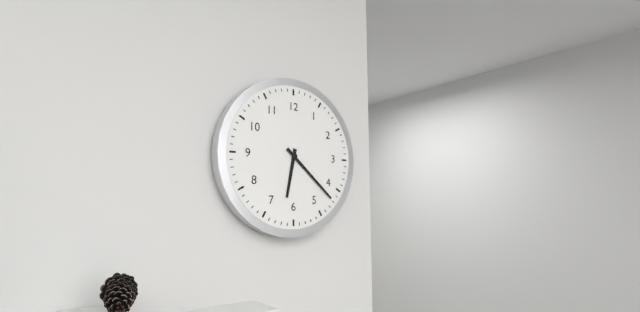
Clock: 6.22
